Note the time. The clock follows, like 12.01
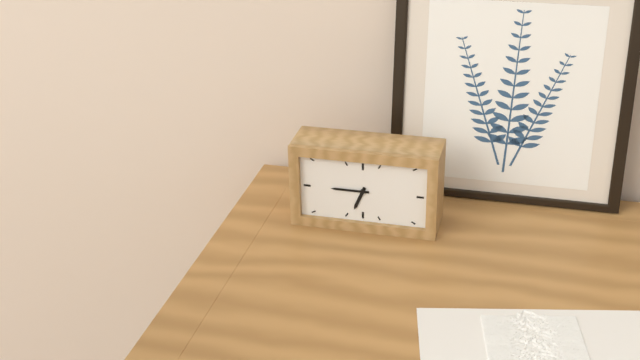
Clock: 6.45
